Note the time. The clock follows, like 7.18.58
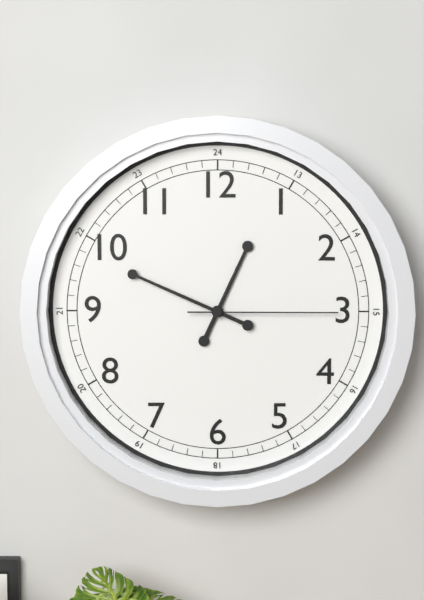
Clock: 12.49.15
